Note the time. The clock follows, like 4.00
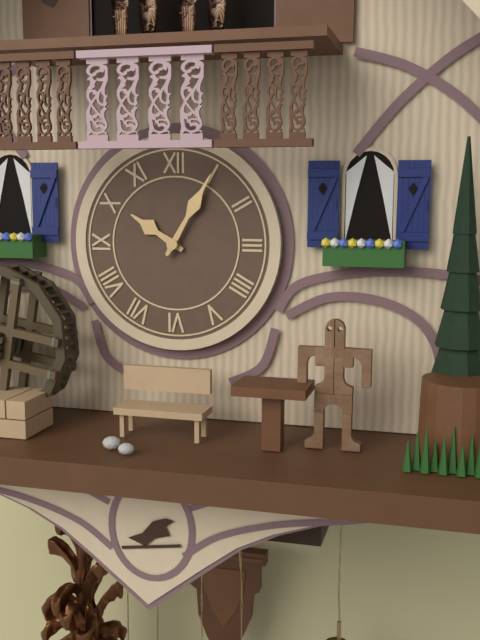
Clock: 10.05
